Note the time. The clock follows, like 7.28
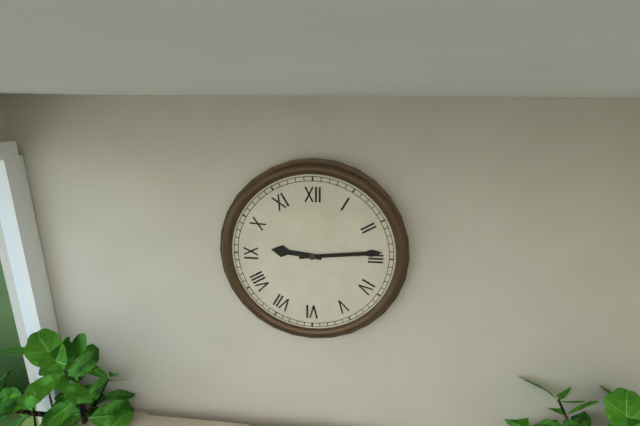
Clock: 9.14
